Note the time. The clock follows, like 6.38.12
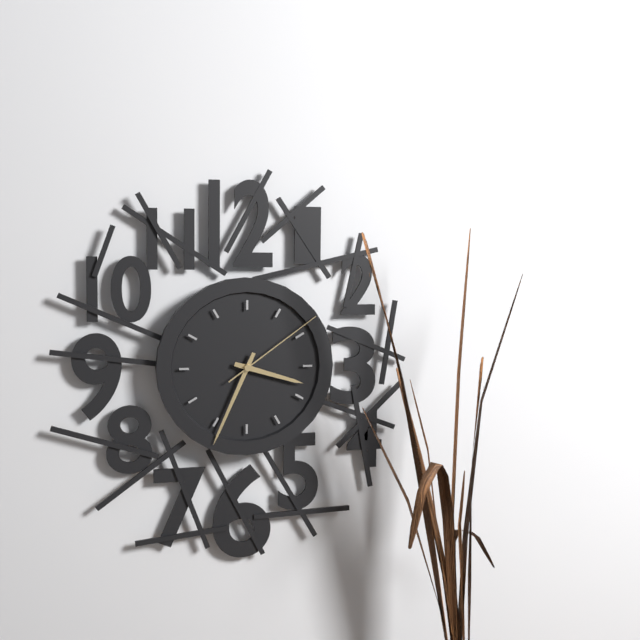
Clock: 3.34.09
